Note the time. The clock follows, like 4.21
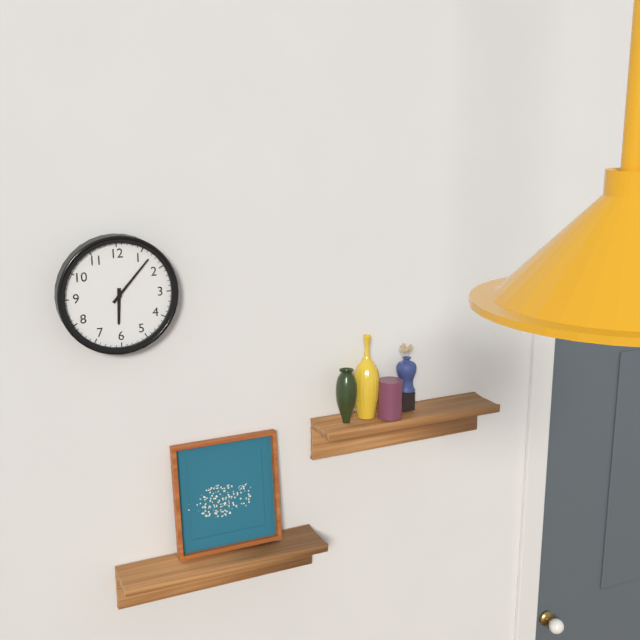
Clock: 6.07
